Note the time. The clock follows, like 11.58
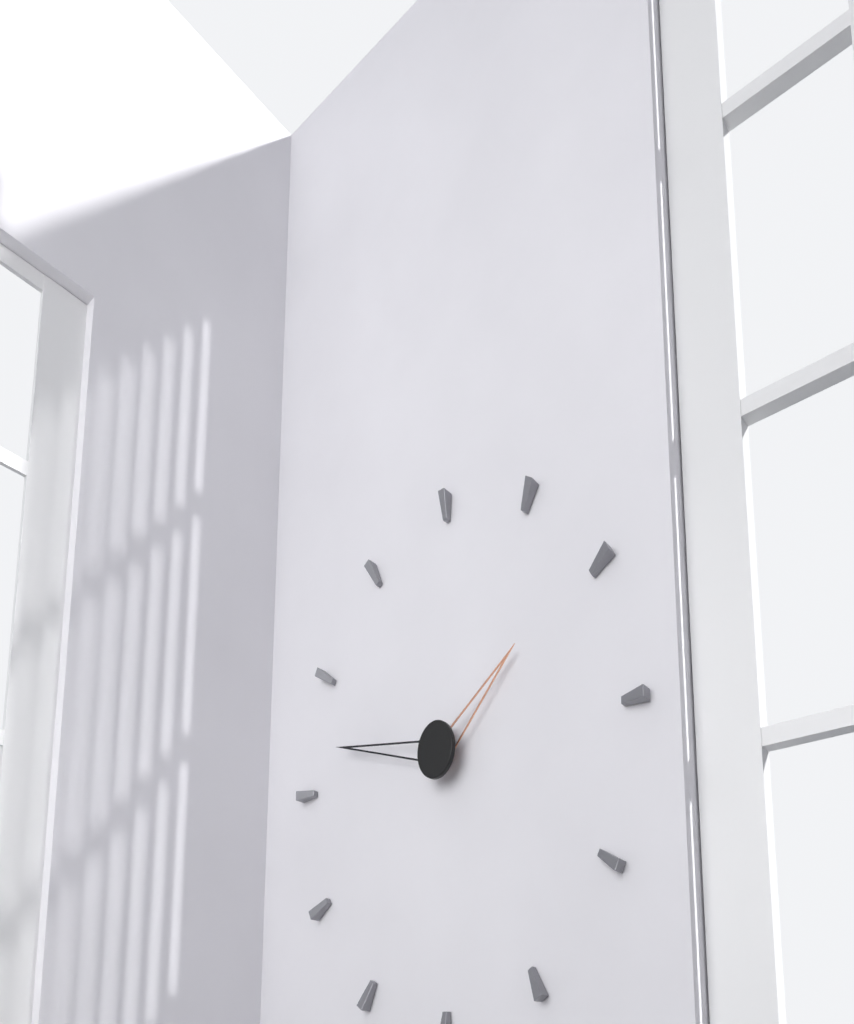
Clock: 1.47
